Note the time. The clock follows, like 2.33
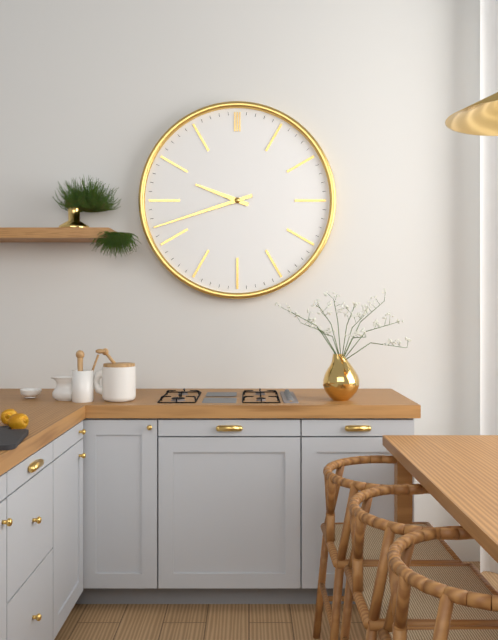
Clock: 9.42
